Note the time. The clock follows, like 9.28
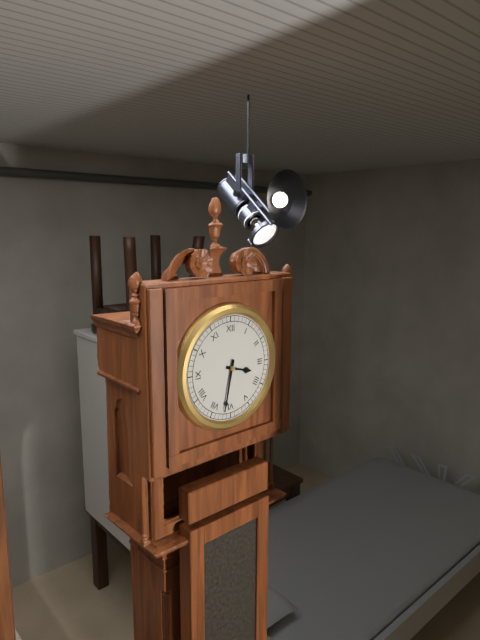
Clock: 3.32
